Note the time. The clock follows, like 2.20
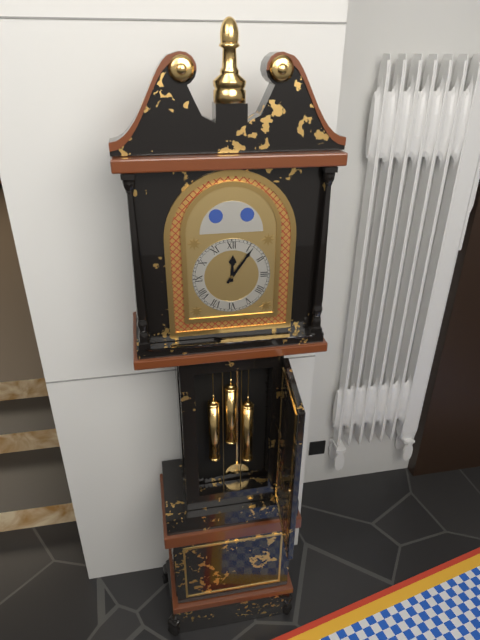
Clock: 12.06
